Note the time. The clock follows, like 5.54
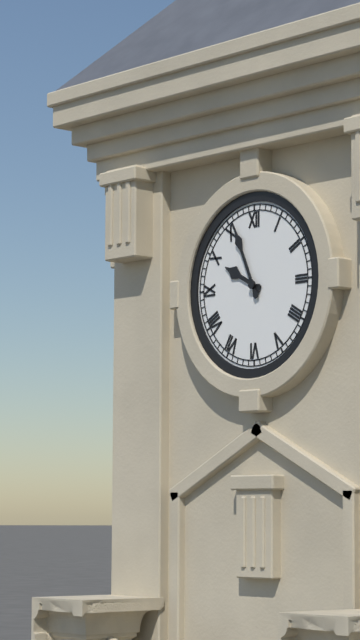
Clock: 9.56
